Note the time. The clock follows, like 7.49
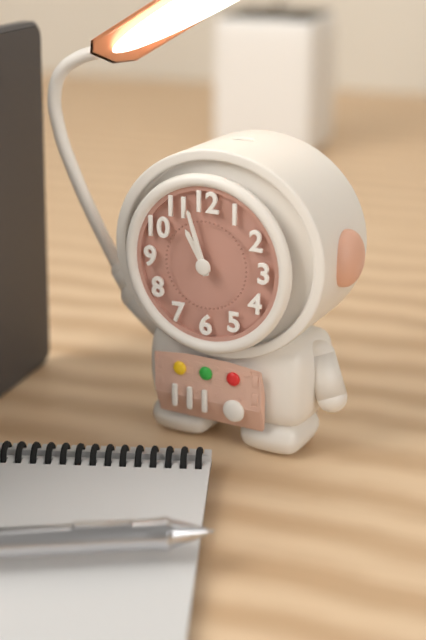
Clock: 10.57
